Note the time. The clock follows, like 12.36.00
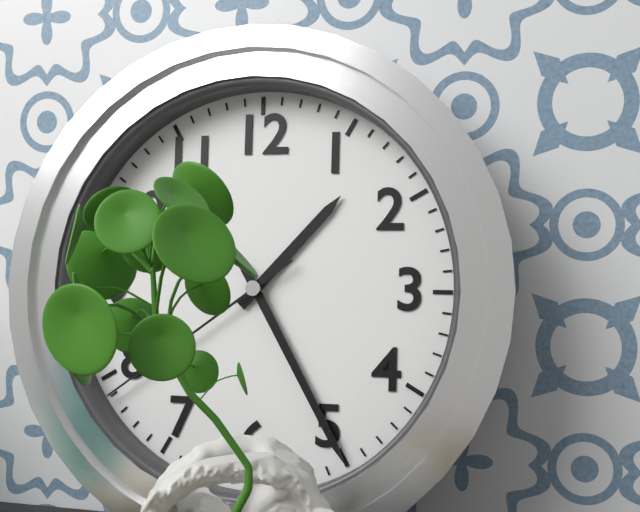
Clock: 1.25.39
